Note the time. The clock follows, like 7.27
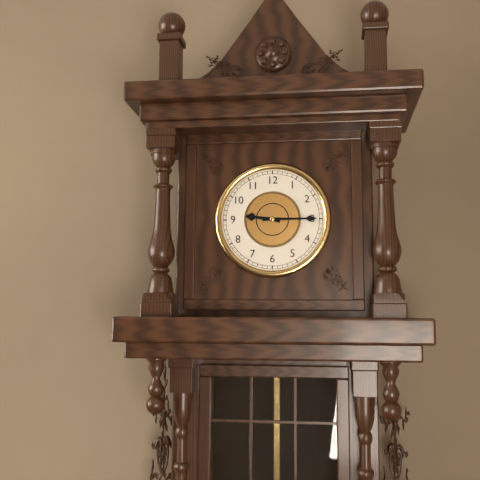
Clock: 9.15
